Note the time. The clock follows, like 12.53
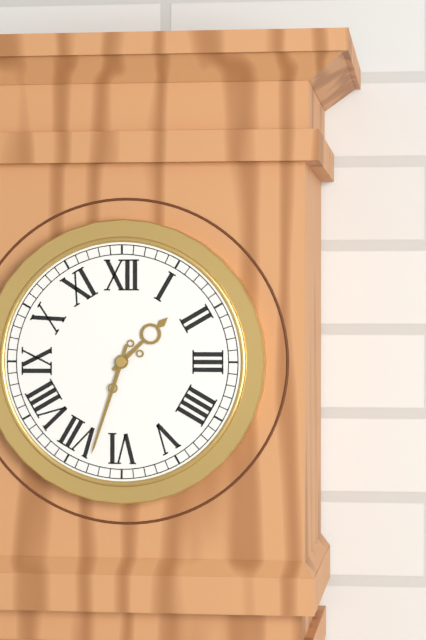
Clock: 1.33
